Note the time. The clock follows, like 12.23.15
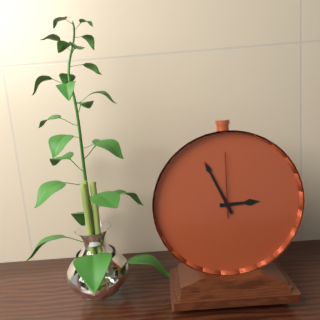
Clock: 2.56.00
